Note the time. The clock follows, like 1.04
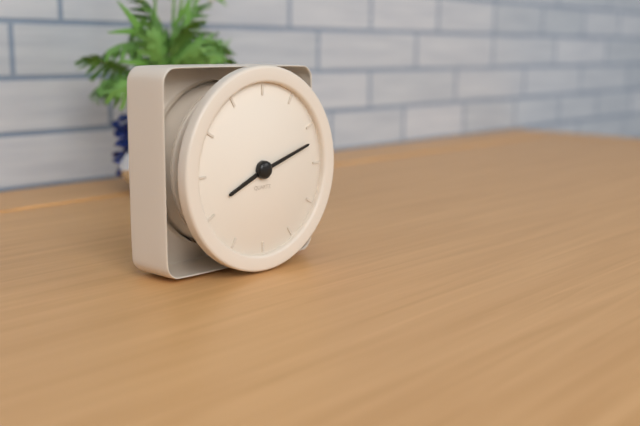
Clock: 8.12
